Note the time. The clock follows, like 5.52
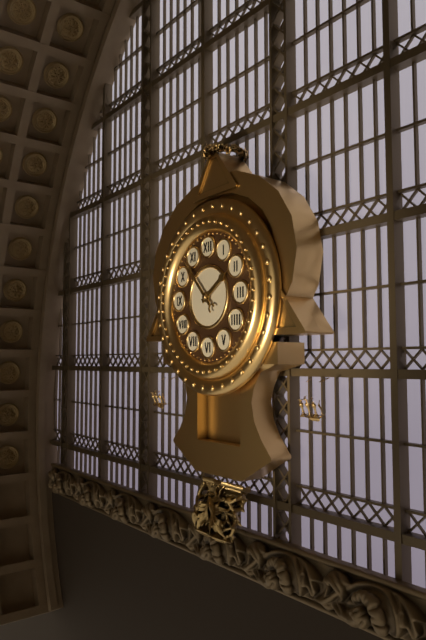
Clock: 1.53
